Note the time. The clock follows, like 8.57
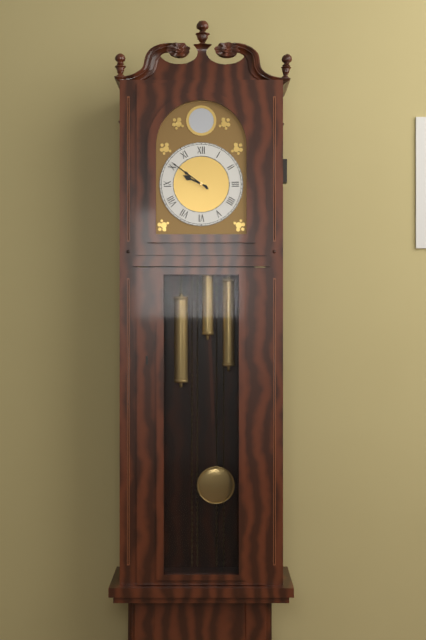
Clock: 9.51
